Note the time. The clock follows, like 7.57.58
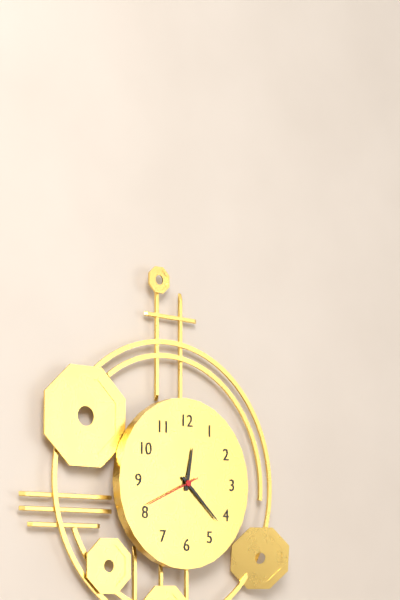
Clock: 12.22.41
